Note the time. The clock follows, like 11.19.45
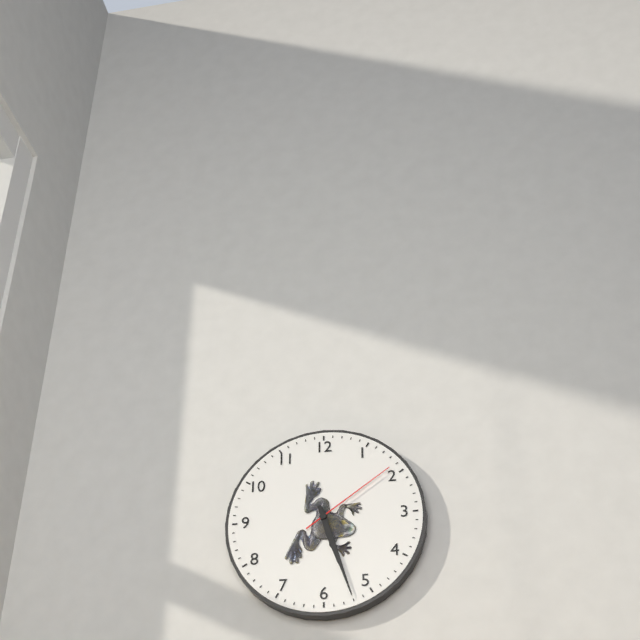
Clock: 5.27.09
